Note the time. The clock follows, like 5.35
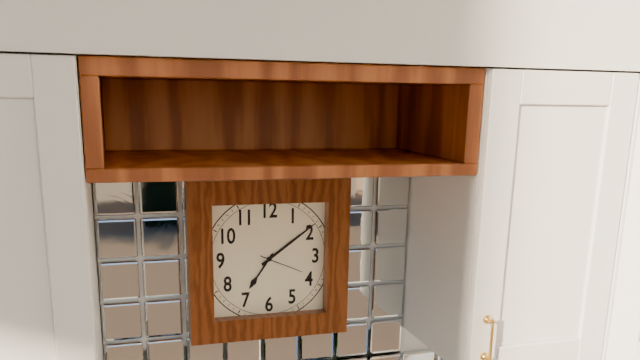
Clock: 7.09
